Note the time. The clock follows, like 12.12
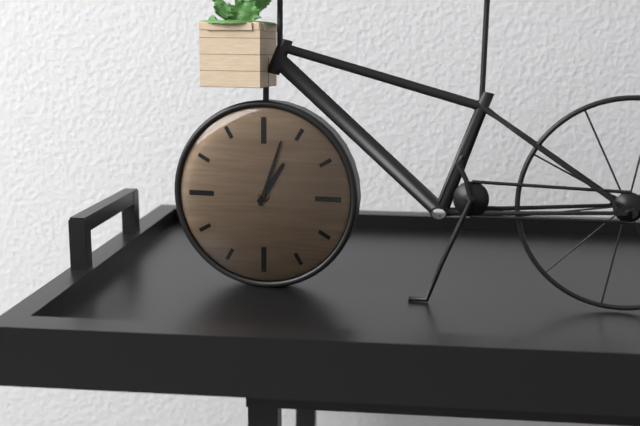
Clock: 1.03
